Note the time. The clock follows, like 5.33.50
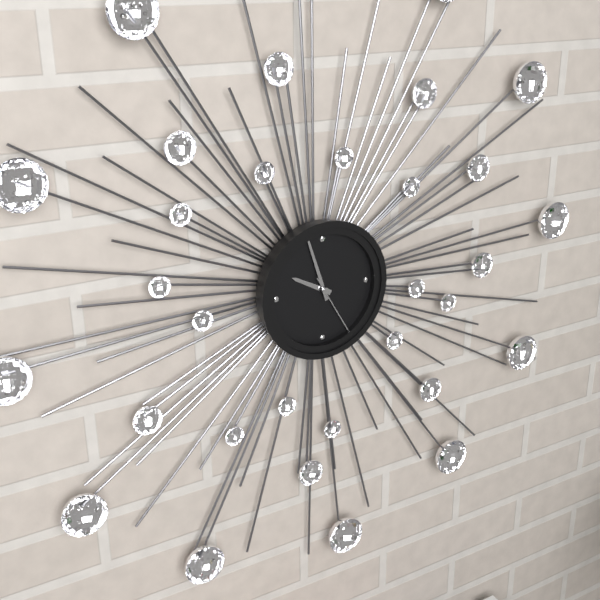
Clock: 9.57.25
